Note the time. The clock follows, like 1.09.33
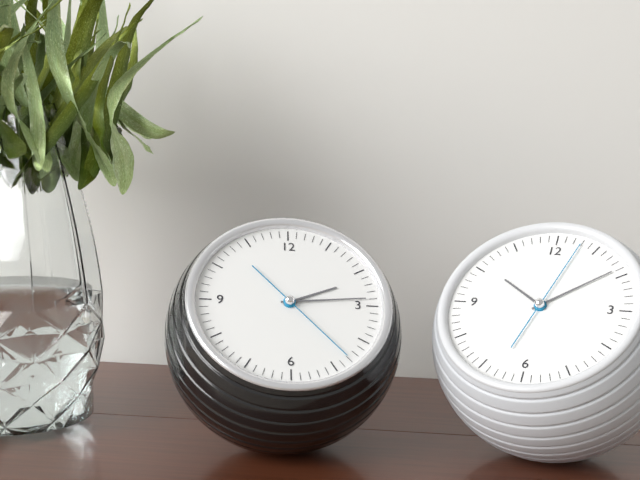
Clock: 2.14.23
